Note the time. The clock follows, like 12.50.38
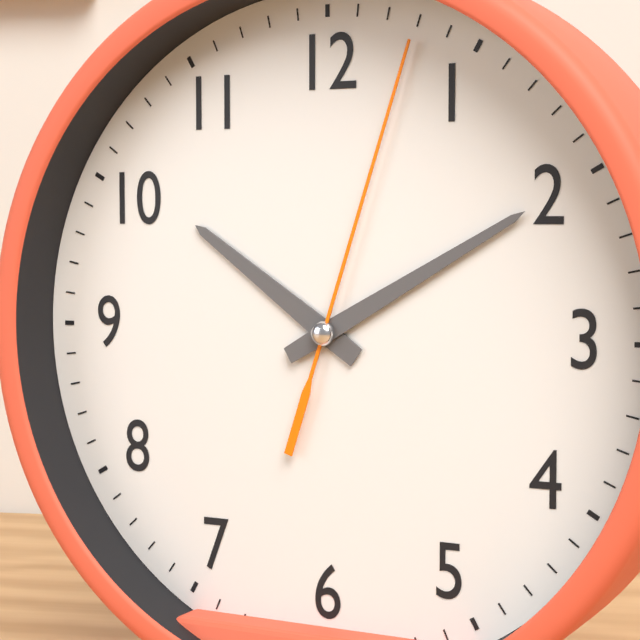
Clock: 10.10.03
